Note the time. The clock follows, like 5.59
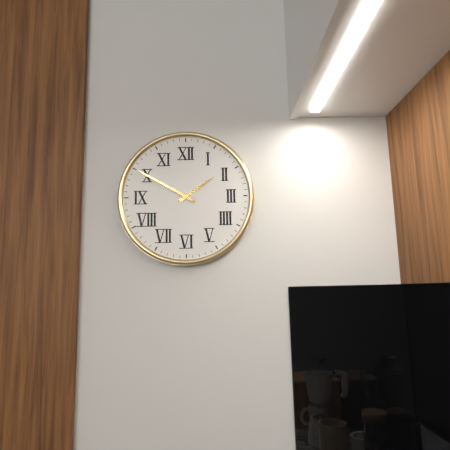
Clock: 1.50
